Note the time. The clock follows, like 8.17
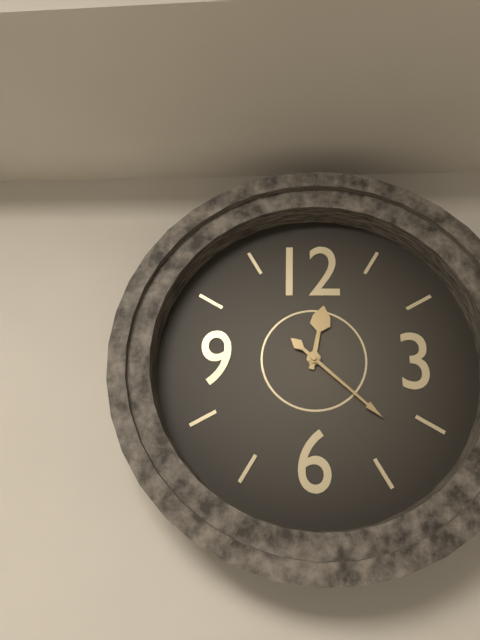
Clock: 12.22
